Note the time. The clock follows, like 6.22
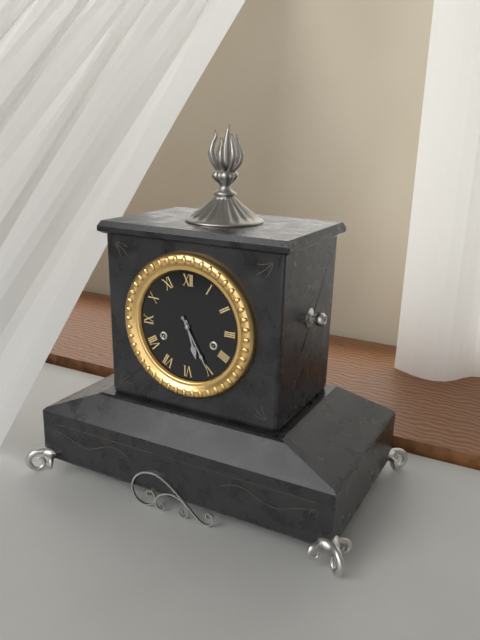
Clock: 5.25
